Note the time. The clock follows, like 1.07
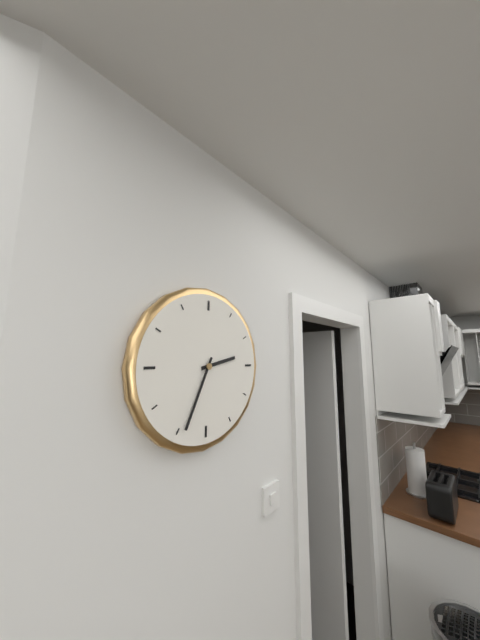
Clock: 2.34
